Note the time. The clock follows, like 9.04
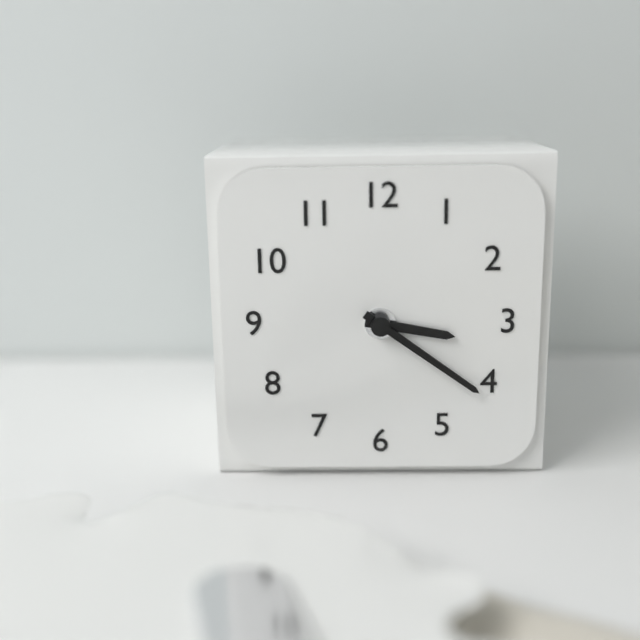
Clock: 3.21
